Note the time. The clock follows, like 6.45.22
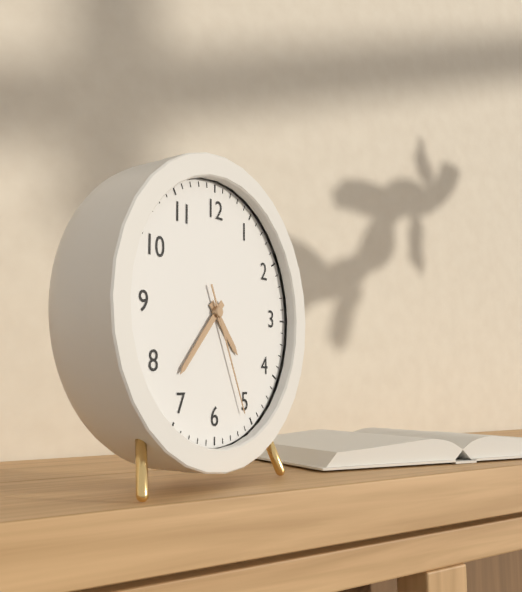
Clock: 4.37.26
